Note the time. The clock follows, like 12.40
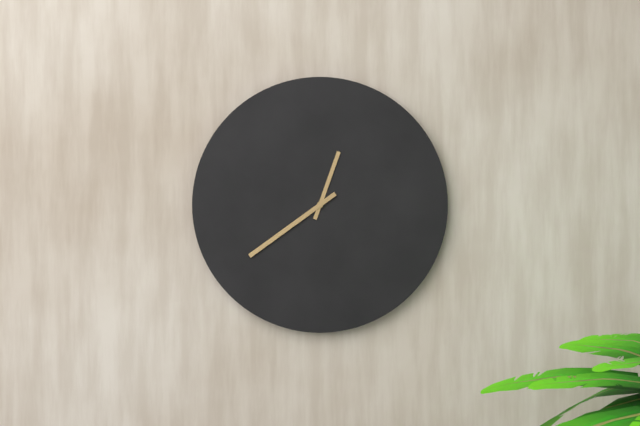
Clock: 12.39
